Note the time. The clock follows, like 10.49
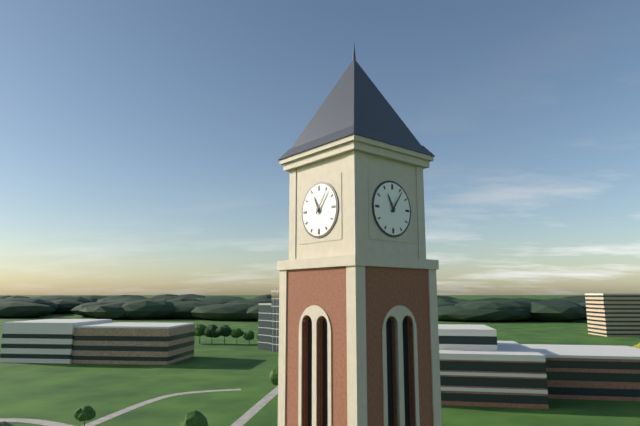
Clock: 11.06
